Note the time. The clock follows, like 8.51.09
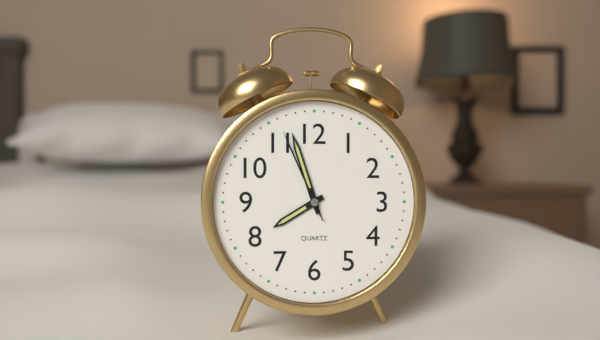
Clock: 7.57.56
